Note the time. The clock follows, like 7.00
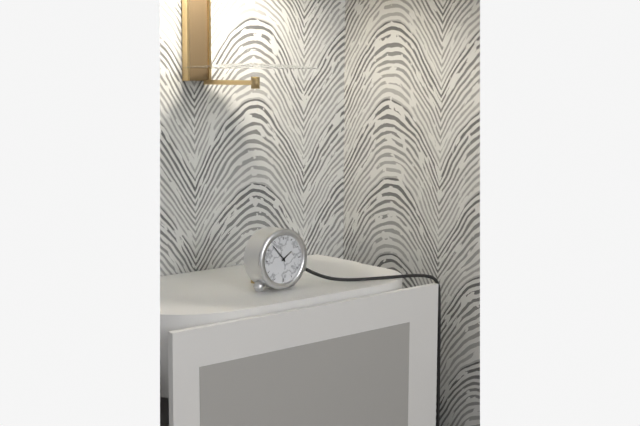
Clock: 1.53
